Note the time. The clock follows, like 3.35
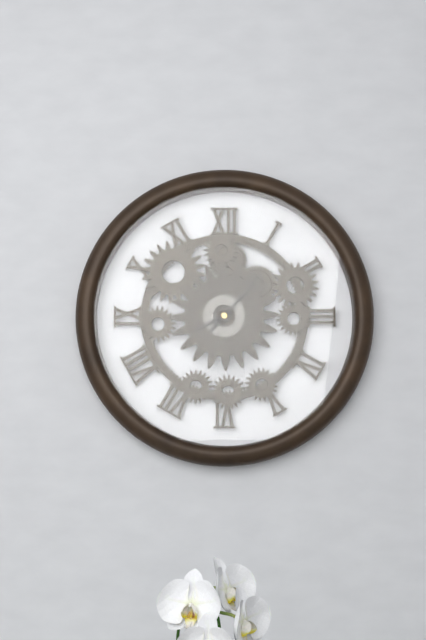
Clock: 8.07
